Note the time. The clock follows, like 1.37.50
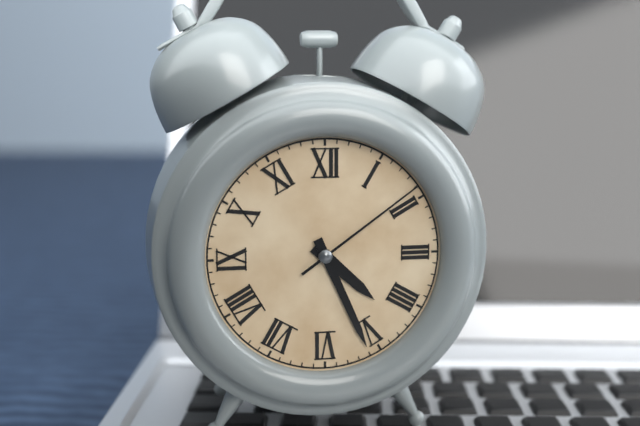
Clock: 4.26.09
